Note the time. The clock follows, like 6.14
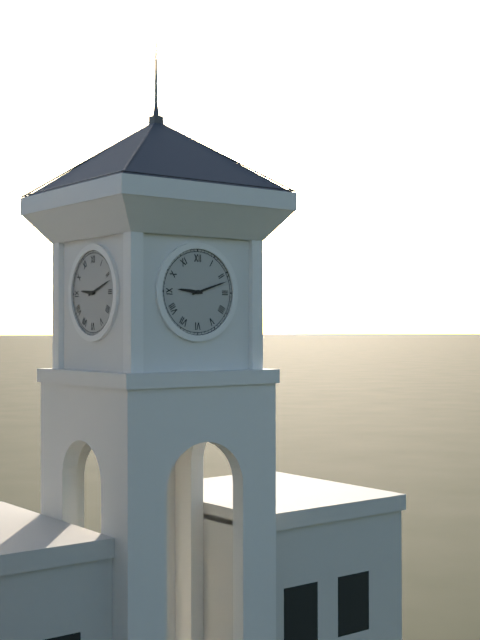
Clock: 9.12
